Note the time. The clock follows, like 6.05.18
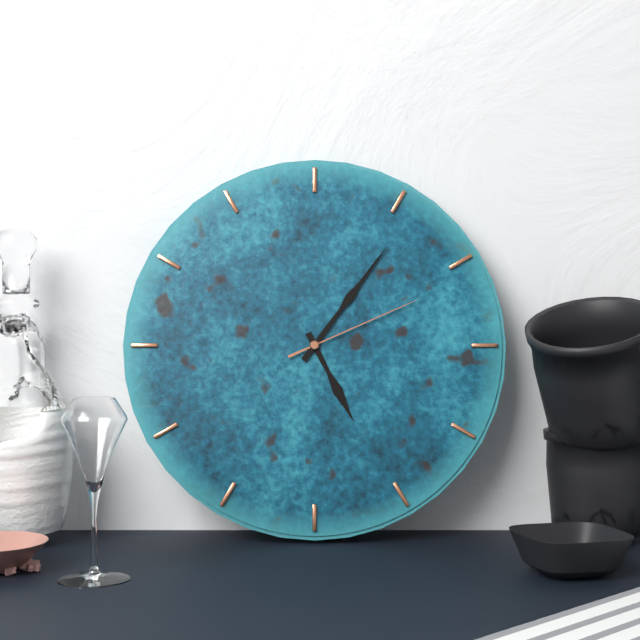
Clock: 5.06.11
